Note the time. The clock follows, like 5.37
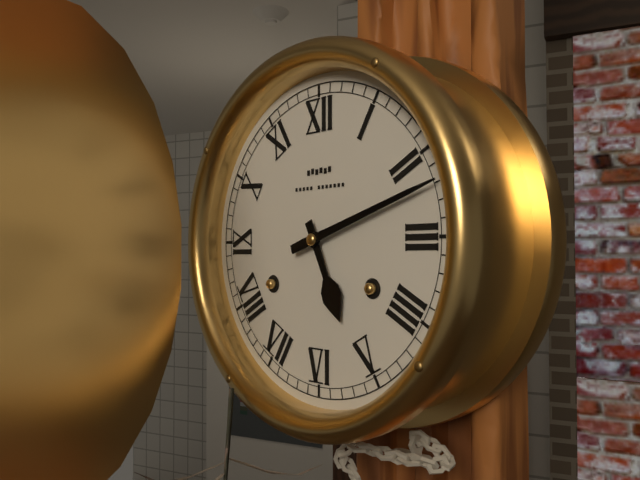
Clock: 5.12
